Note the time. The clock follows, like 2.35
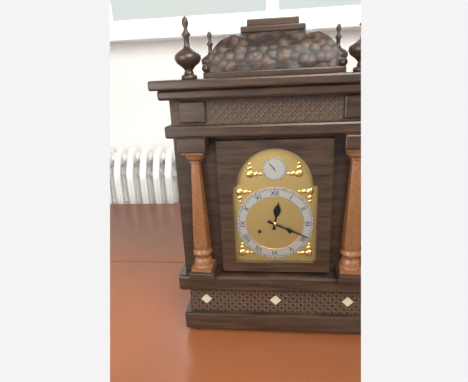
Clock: 12.19
